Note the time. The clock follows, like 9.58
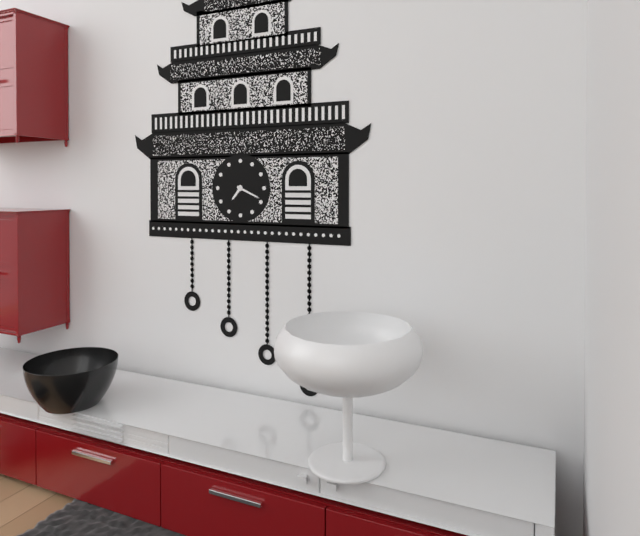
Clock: 7.19
